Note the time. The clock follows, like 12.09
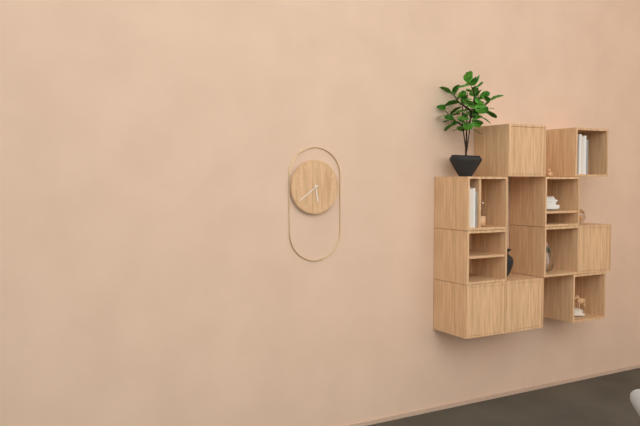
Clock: 5.39
